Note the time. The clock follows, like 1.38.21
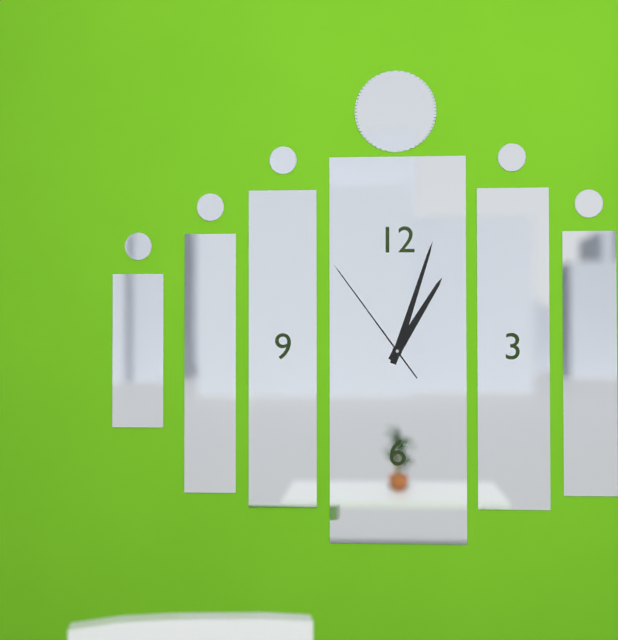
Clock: 1.03.54
